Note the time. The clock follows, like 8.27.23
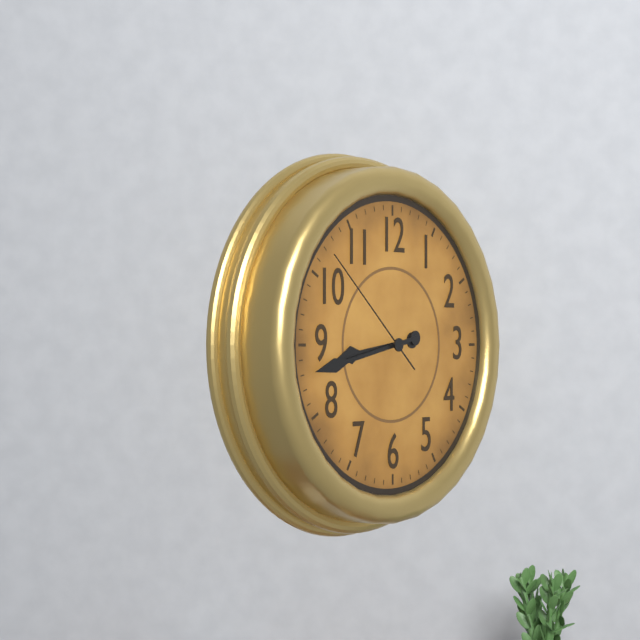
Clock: 8.43.52
